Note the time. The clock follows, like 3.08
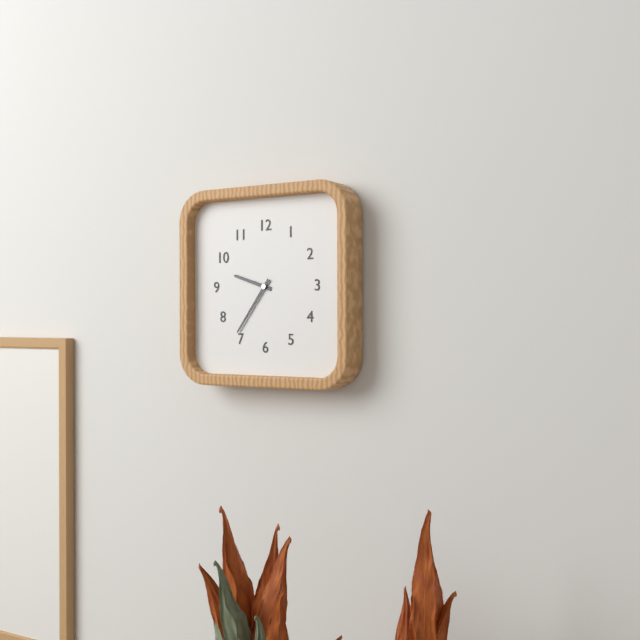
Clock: 9.36
